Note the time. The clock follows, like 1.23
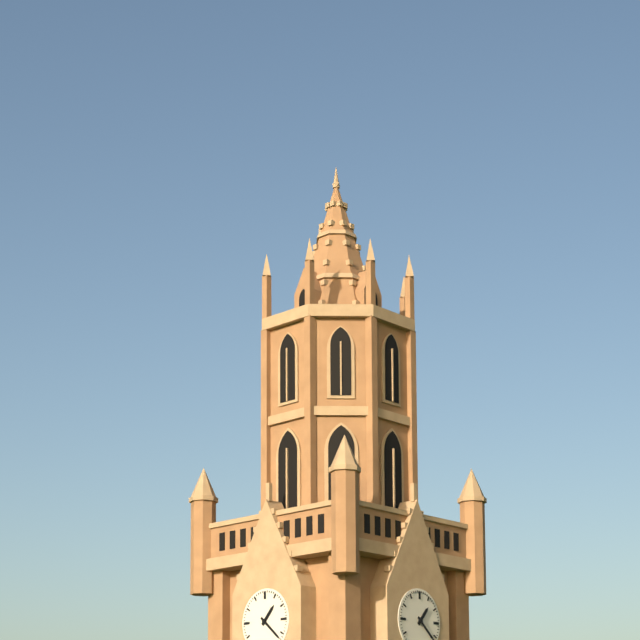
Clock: 1.22
